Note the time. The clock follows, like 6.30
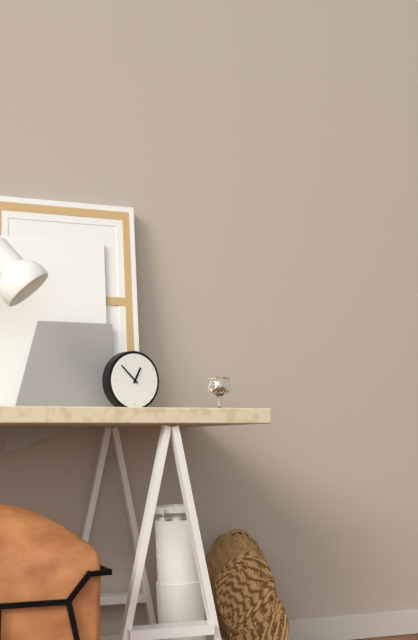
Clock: 12.52
